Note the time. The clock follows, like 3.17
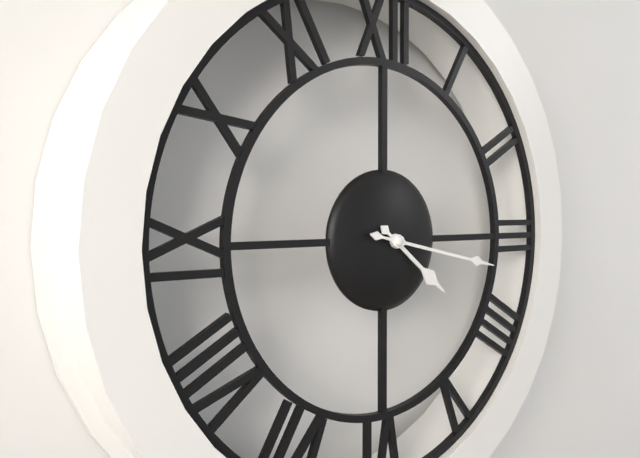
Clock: 4.17
